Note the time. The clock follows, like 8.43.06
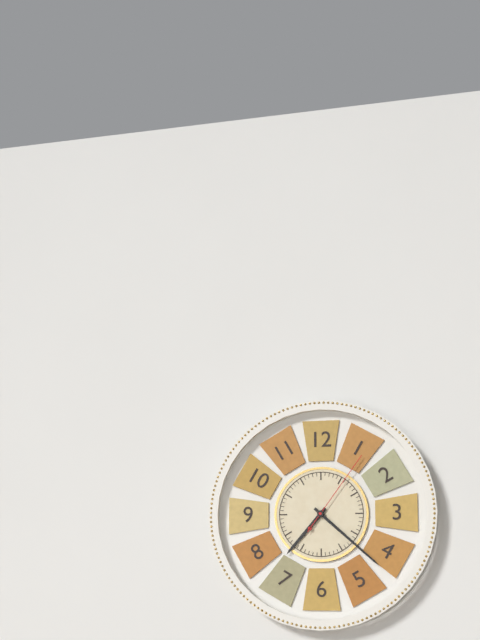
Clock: 7.22.06
